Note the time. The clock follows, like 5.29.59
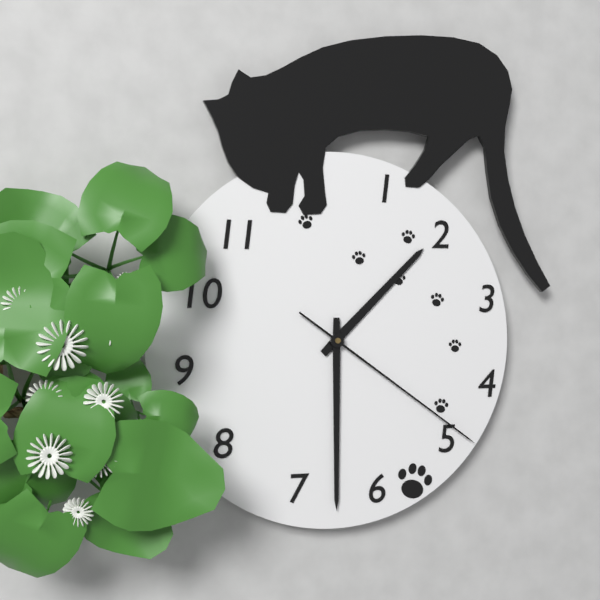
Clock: 1.30.21
